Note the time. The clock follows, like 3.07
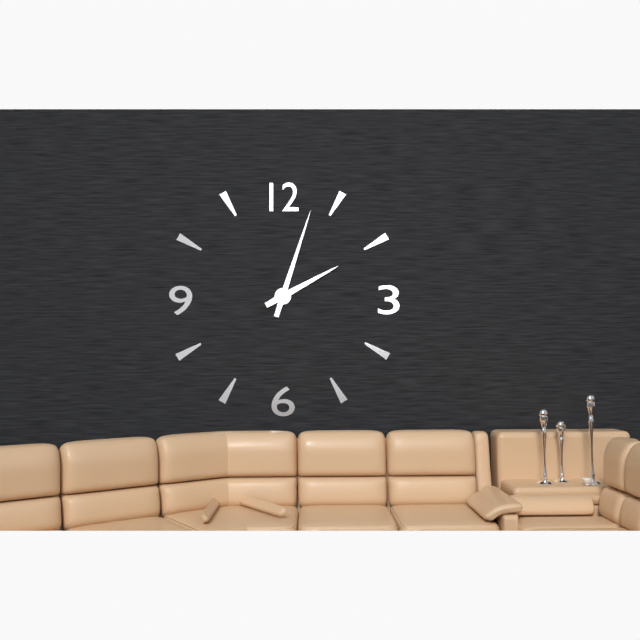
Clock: 2.03
